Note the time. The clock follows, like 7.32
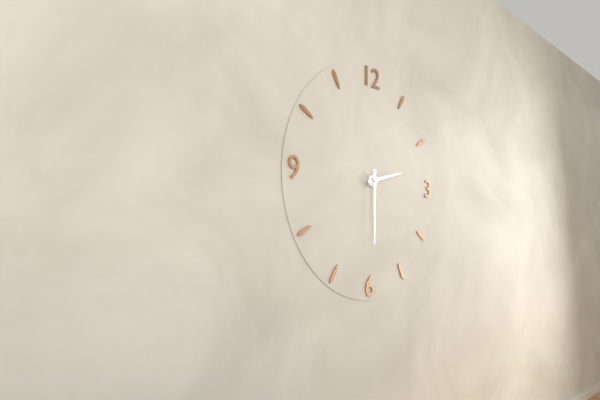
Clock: 2.30
